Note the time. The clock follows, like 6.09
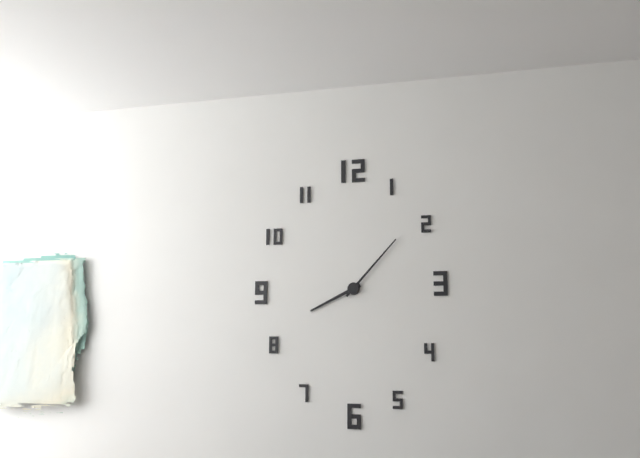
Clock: 8.07
